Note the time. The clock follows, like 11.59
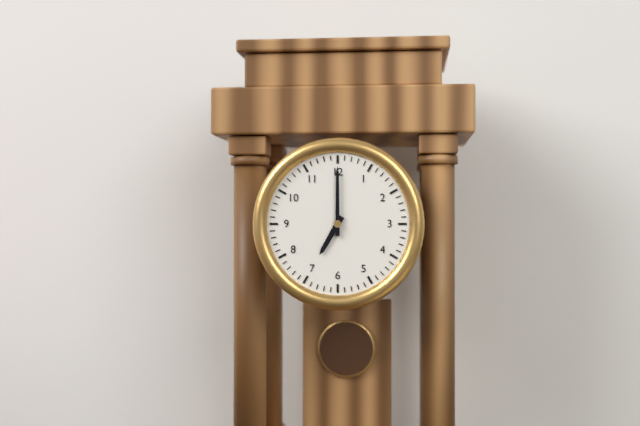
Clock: 7.00
